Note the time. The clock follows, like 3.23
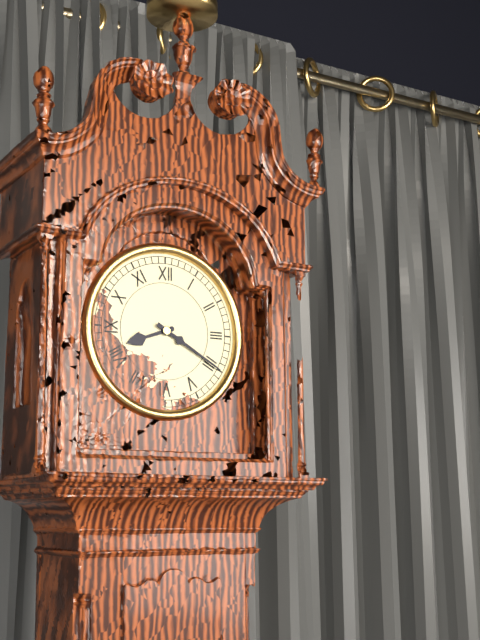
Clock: 8.20
